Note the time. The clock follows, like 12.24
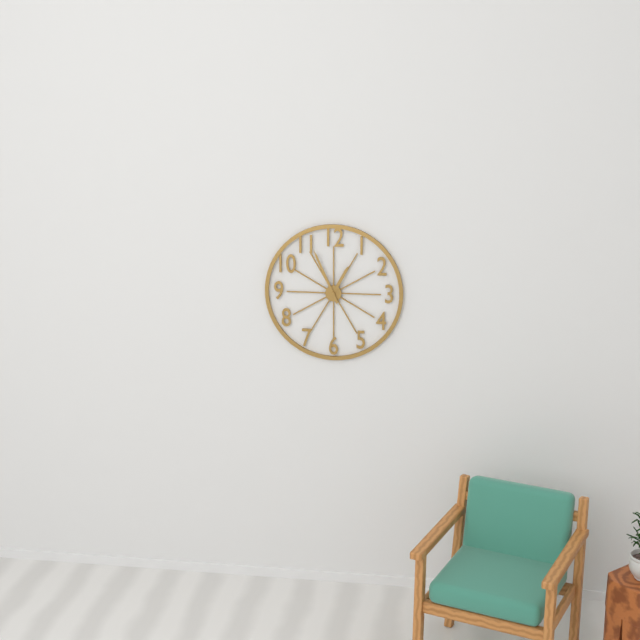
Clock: 12.56
